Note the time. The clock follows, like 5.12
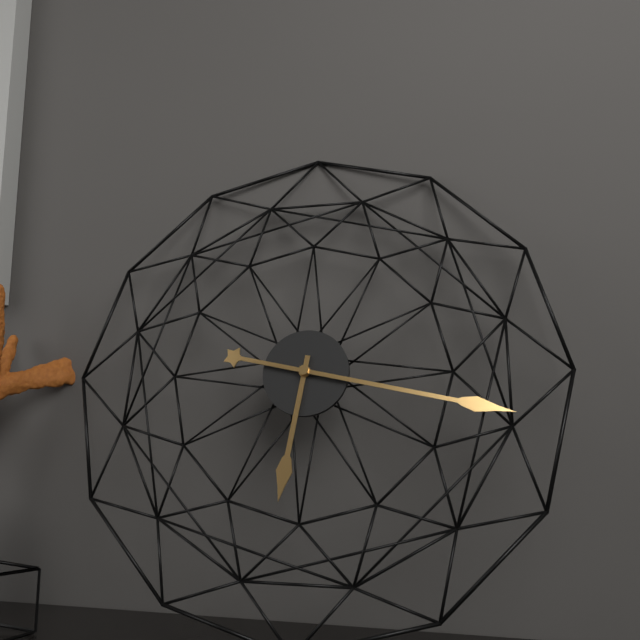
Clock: 6.17
